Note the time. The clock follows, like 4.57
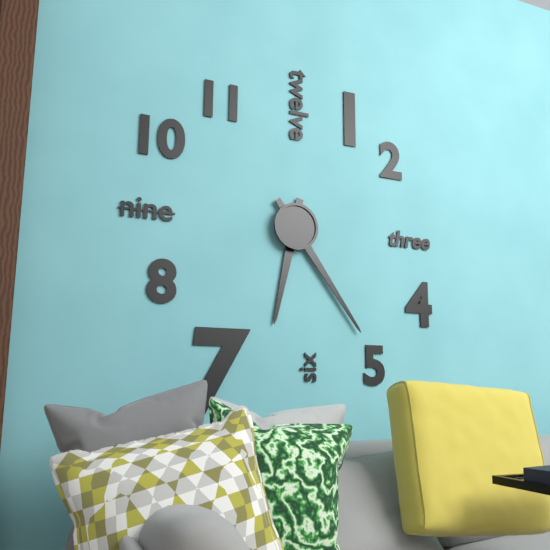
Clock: 6.24
